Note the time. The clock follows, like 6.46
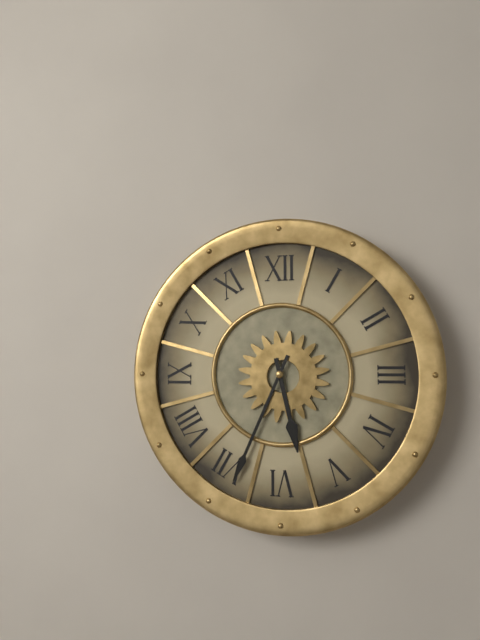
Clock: 5.34
